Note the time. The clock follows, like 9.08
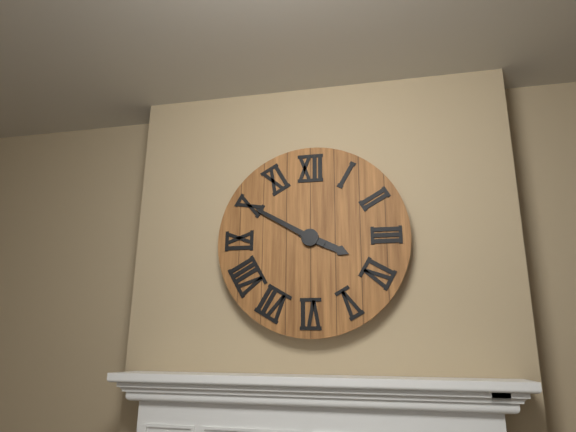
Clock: 3.50
